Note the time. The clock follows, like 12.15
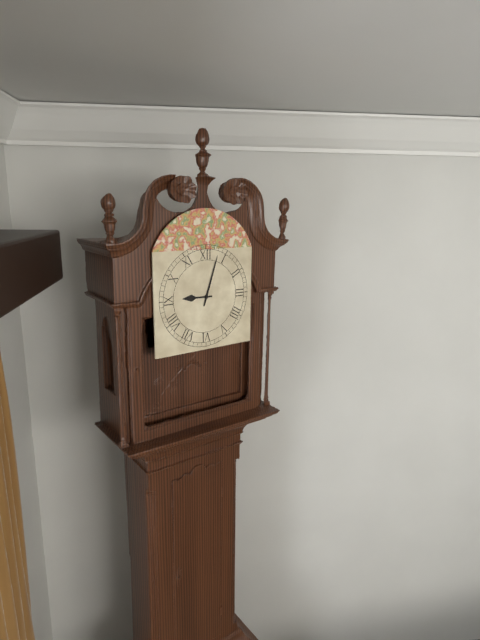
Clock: 9.03
